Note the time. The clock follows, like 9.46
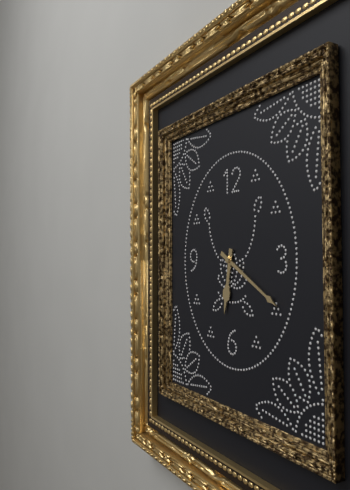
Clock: 6.20
